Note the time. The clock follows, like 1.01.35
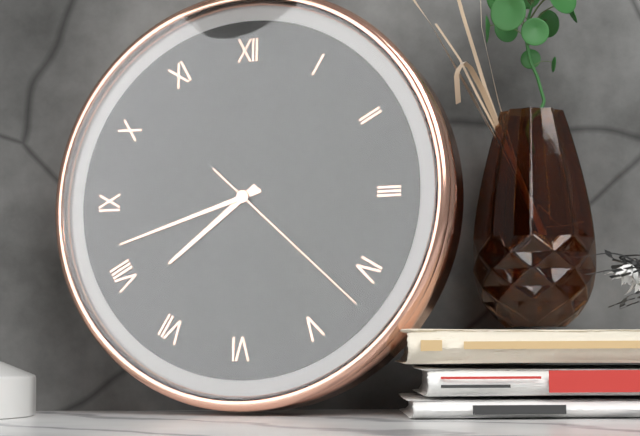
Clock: 7.42.22
